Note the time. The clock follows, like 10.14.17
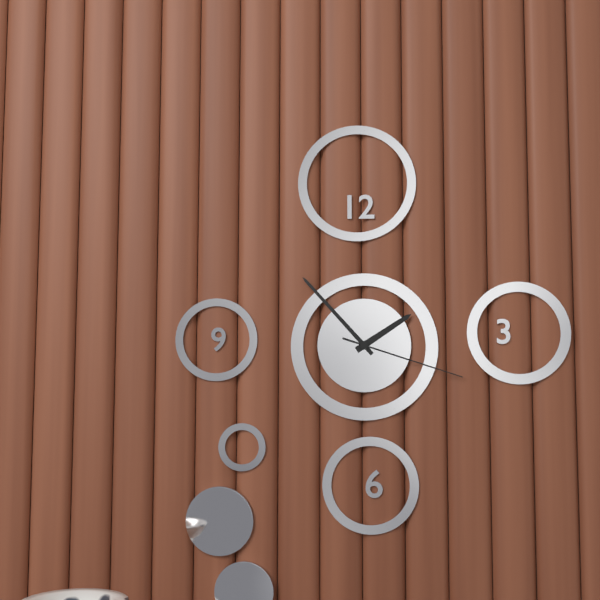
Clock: 1.53.18
